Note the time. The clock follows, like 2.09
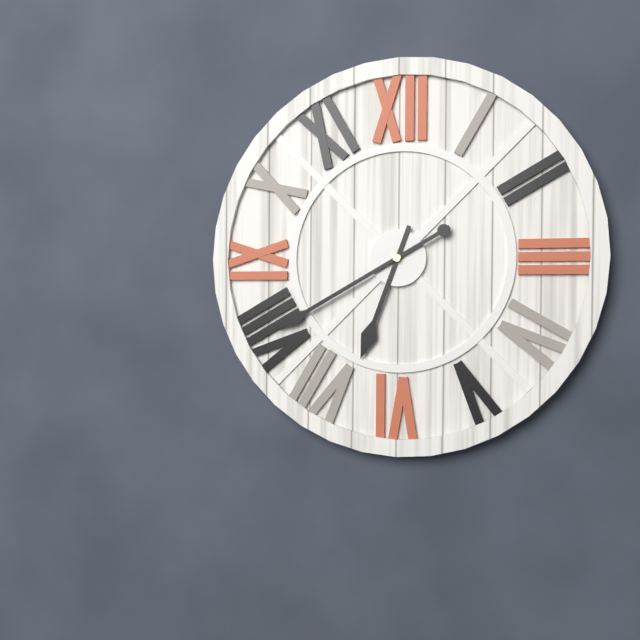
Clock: 6.40
